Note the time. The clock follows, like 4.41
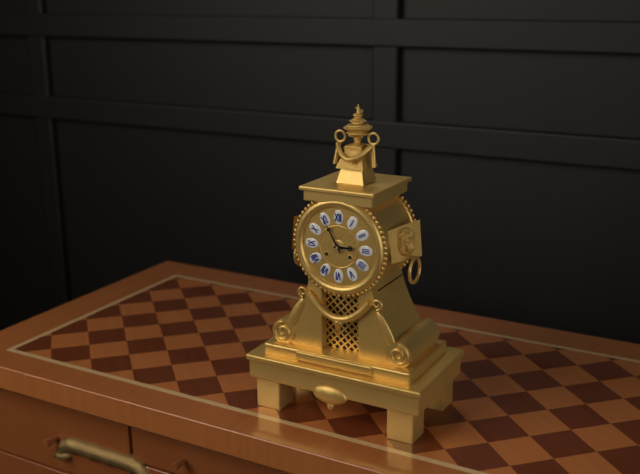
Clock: 2.55
